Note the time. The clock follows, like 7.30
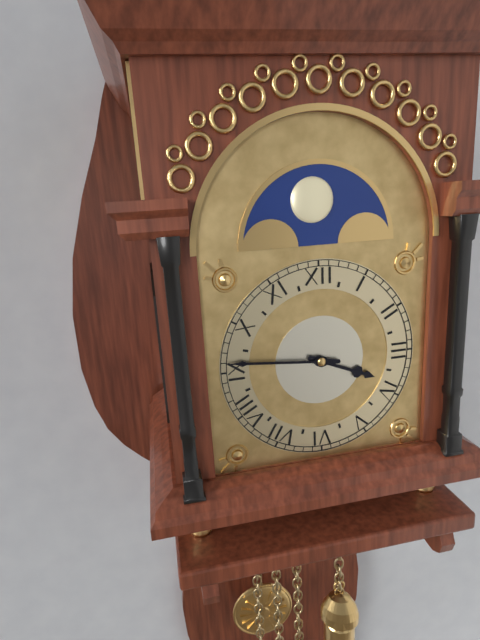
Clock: 3.46
